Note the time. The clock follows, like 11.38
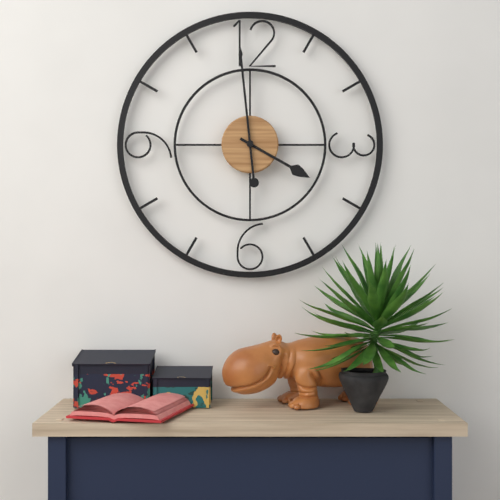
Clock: 3.59
